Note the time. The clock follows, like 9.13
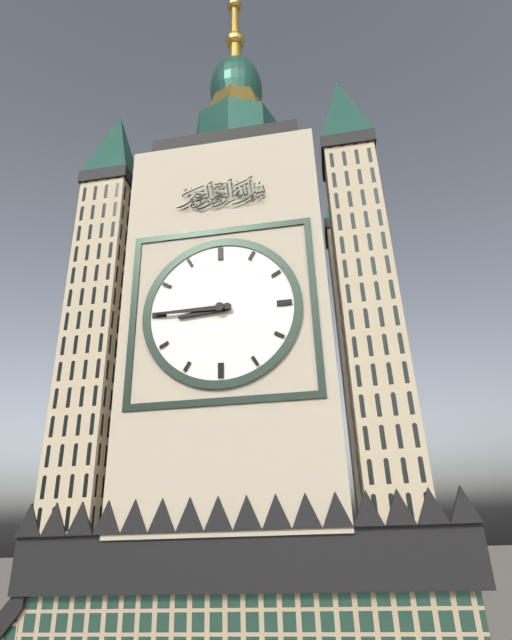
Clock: 8.45
